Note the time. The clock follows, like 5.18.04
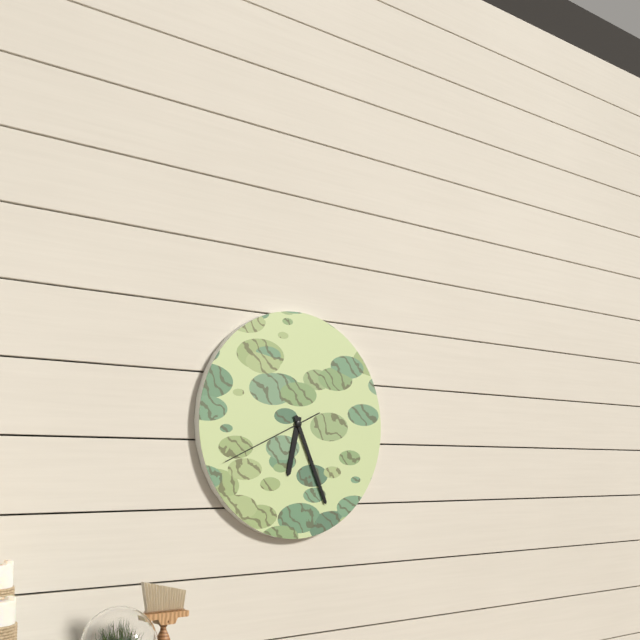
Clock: 6.26.41
